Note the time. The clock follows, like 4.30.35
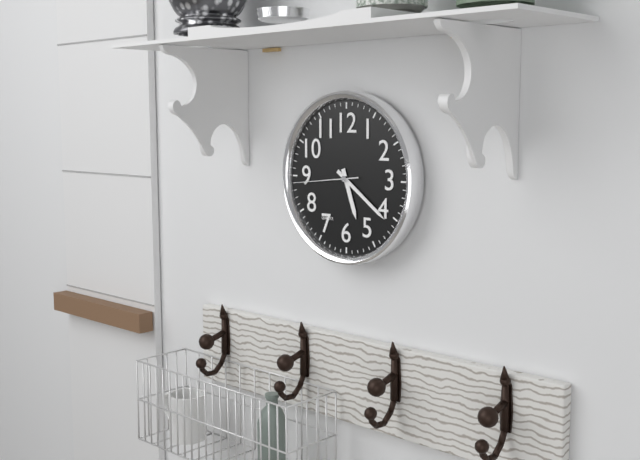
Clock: 5.21.44
